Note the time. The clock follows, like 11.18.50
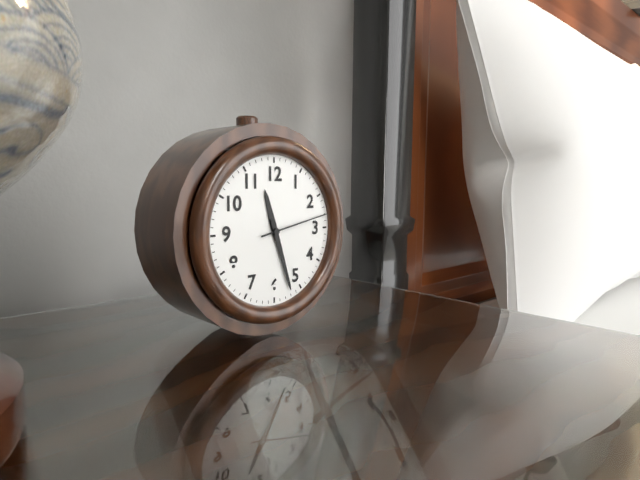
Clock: 11.27.13
